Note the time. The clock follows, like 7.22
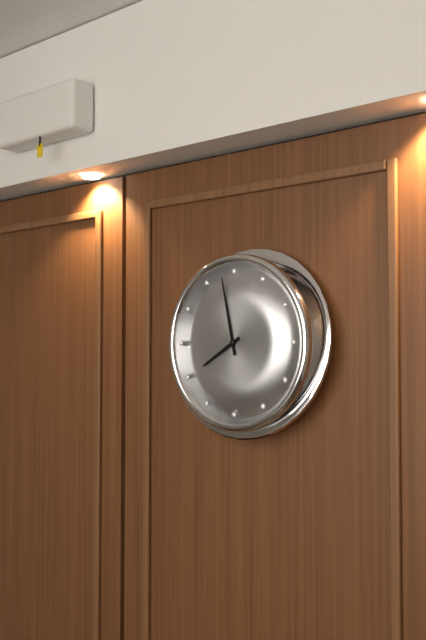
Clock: 7.58
